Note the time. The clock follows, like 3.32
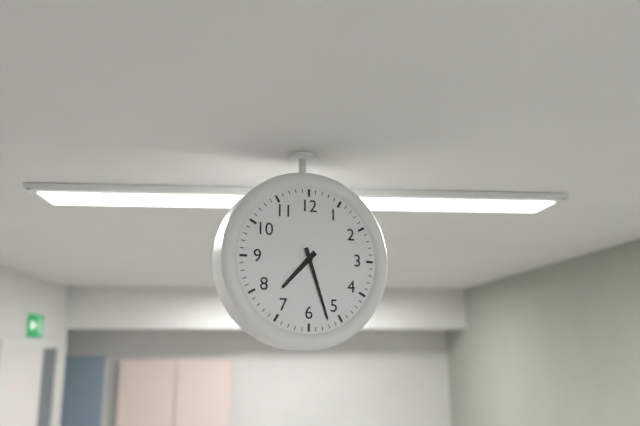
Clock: 7.27
